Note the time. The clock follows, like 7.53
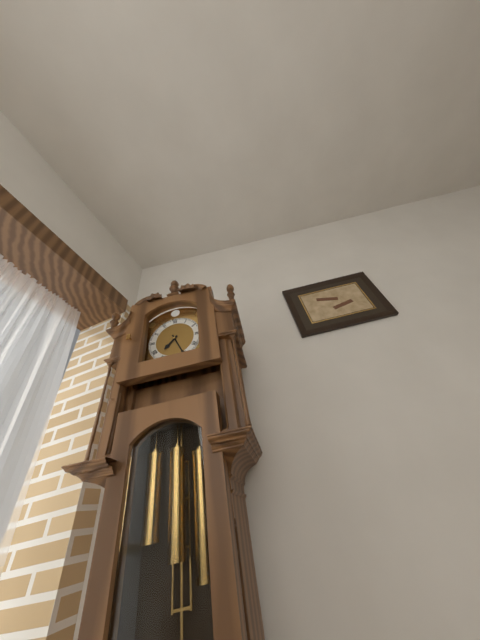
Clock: 7.26
